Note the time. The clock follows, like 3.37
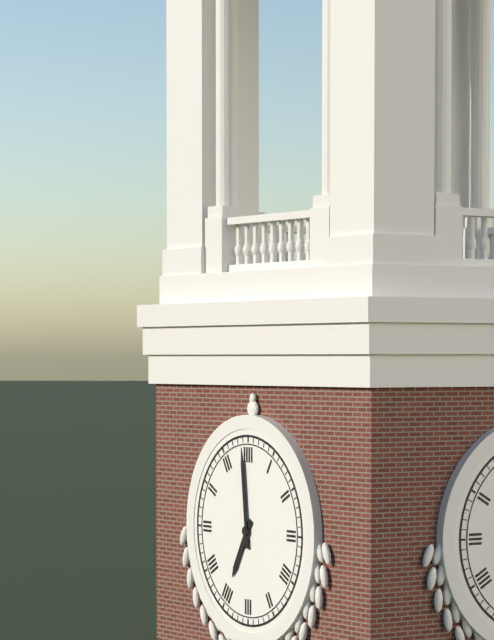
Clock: 6.59
